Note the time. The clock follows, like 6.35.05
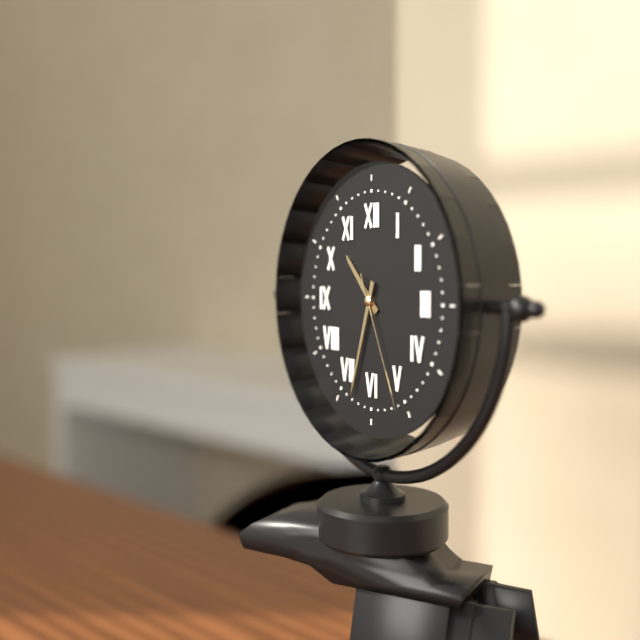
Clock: 10.33.26
